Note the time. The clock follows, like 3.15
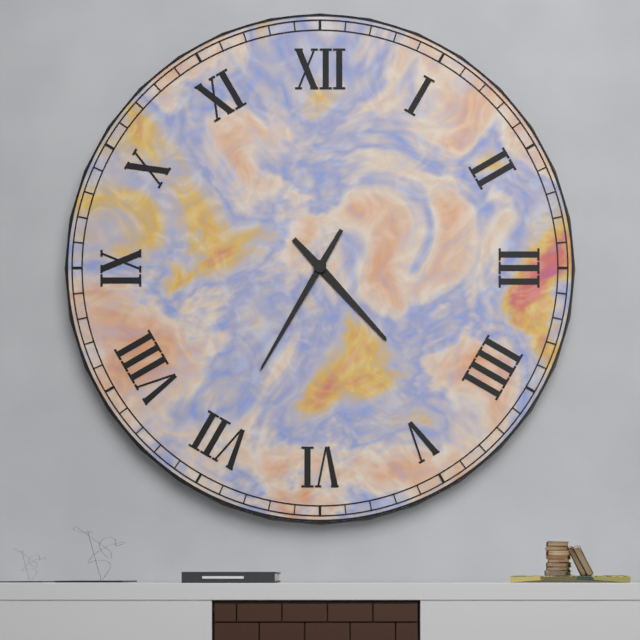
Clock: 4.35
